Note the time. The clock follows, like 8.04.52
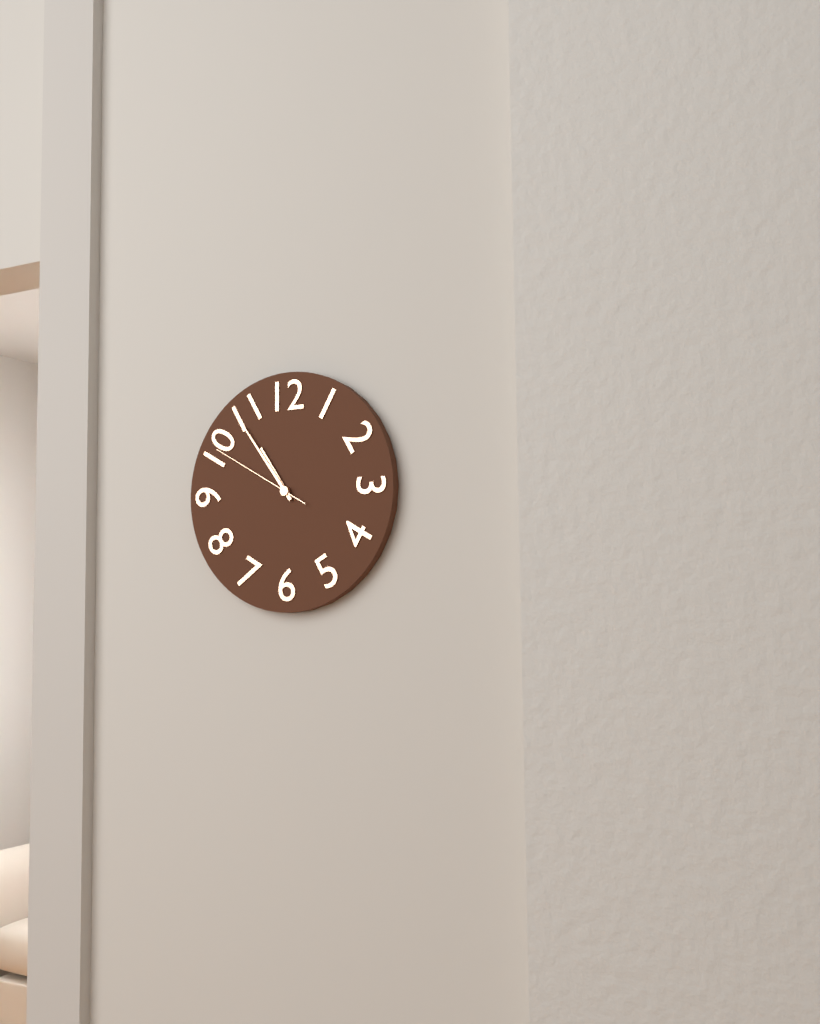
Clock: 10.54.50
